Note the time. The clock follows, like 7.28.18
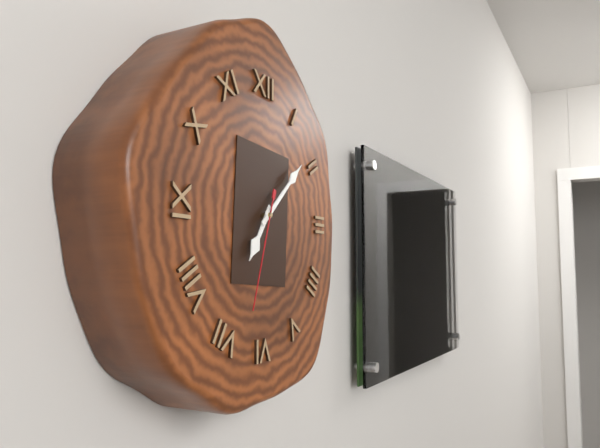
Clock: 7.08.33
